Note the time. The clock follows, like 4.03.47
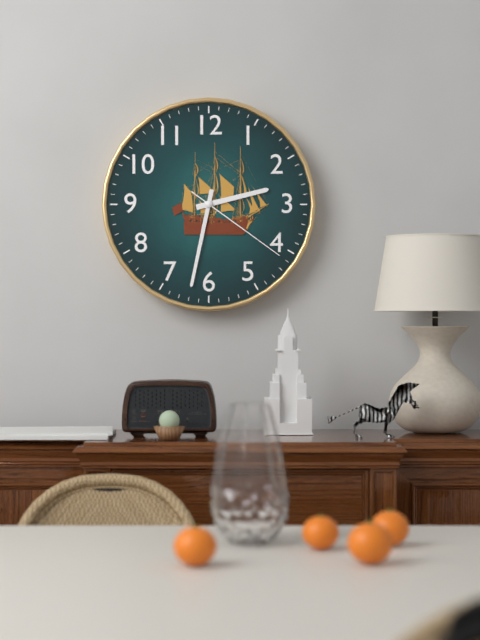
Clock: 2.32.21
